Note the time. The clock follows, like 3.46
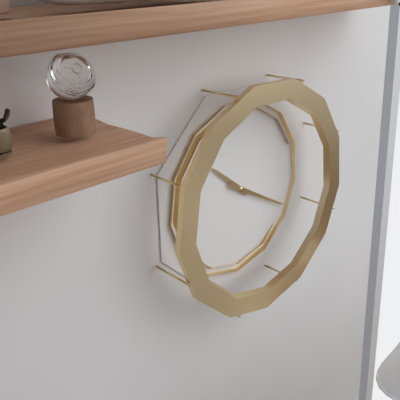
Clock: 10.20
